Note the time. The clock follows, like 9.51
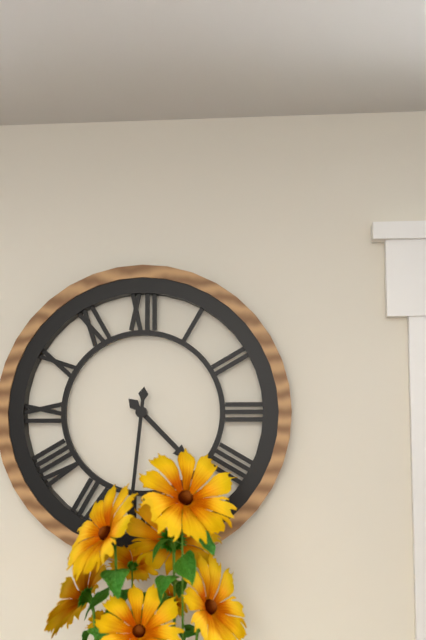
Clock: 4.31
